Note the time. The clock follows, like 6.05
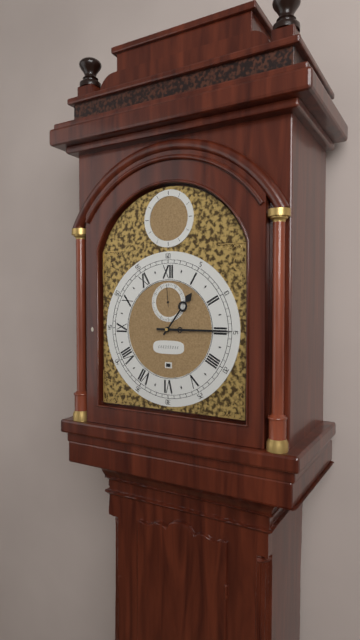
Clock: 1.15
